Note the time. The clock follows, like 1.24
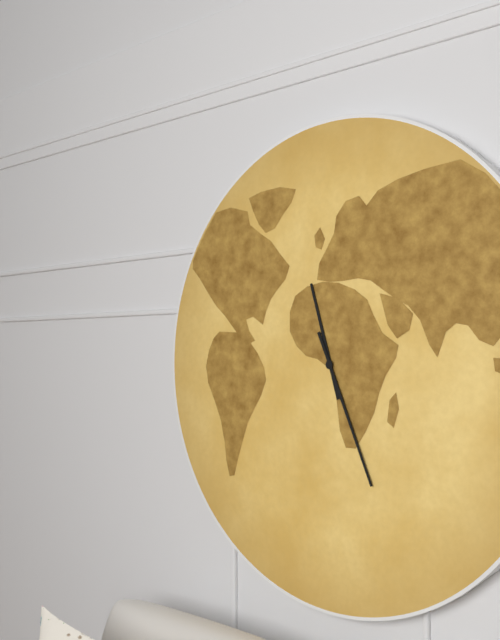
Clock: 11.26
